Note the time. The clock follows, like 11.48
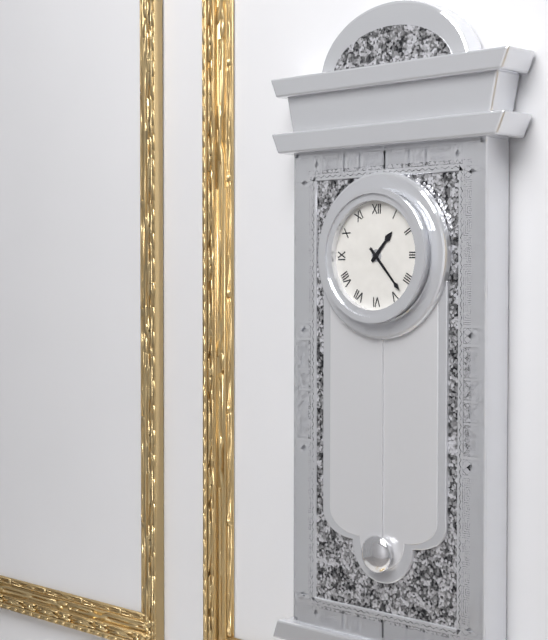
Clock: 1.23
